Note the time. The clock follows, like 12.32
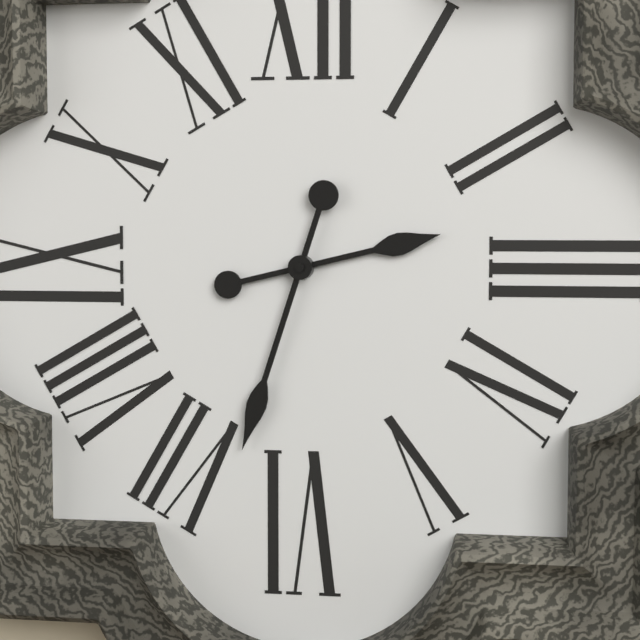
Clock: 2.33
